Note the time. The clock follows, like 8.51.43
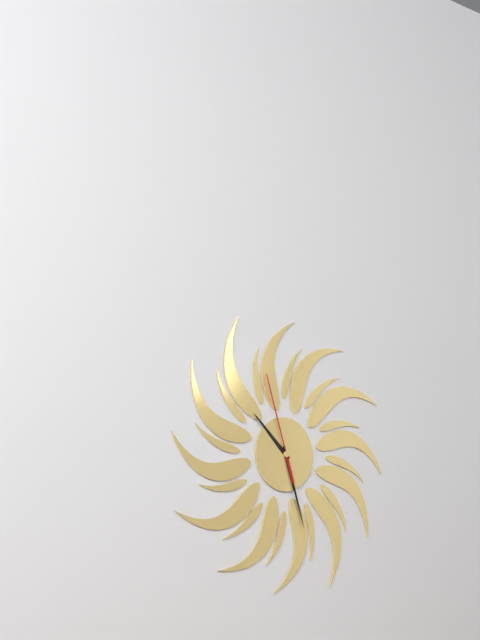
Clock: 10.27.57
